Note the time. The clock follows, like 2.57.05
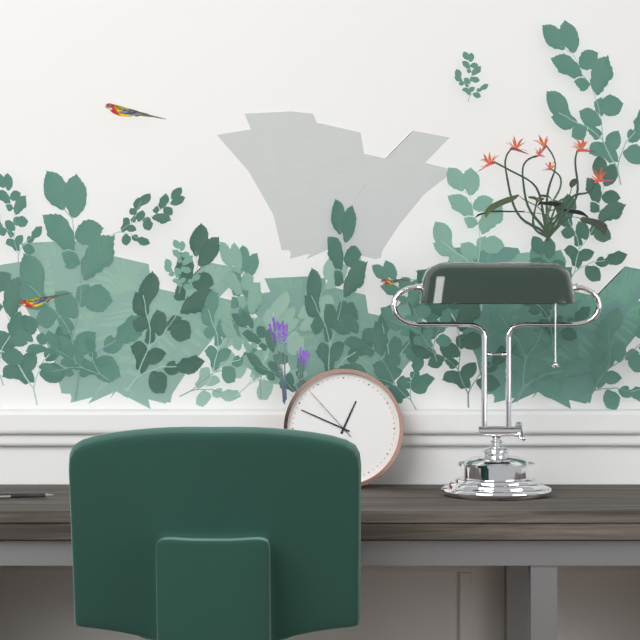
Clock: 12.49.53
